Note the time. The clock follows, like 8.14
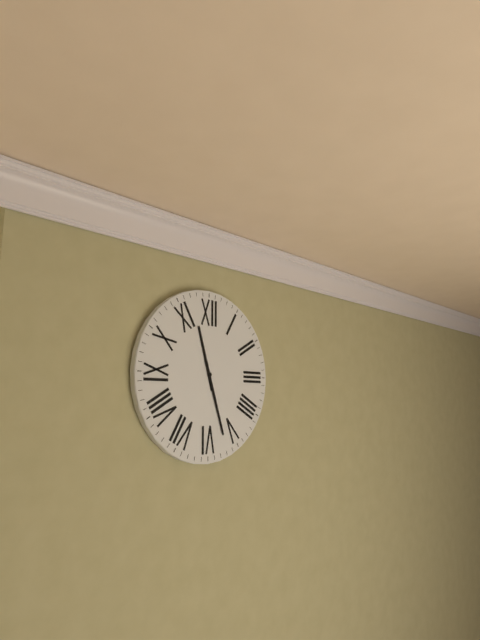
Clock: 11.27
